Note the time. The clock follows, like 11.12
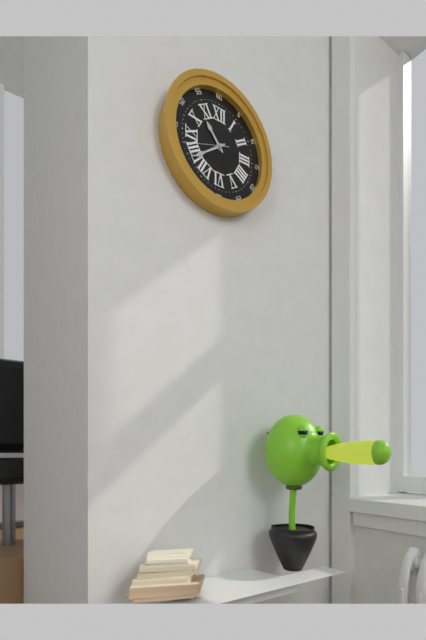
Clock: 10.39
